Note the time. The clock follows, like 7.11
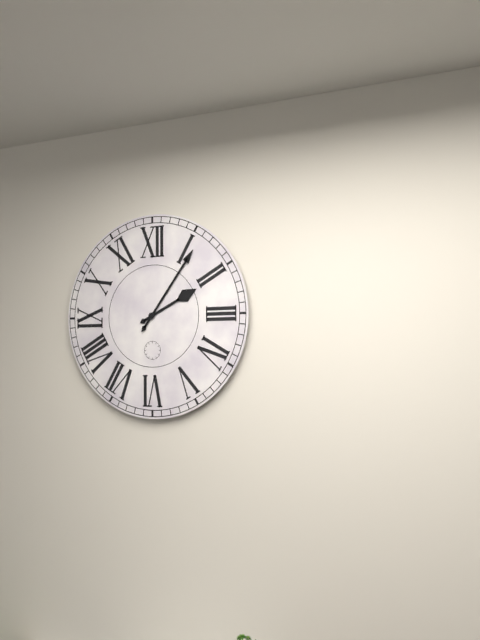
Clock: 2.06
